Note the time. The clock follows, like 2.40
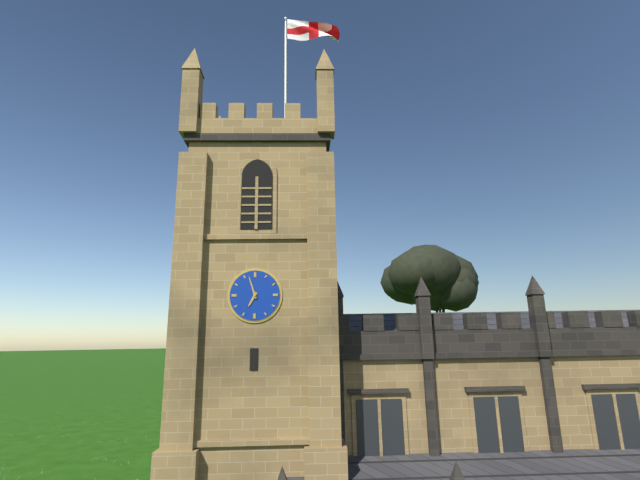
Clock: 6.57
